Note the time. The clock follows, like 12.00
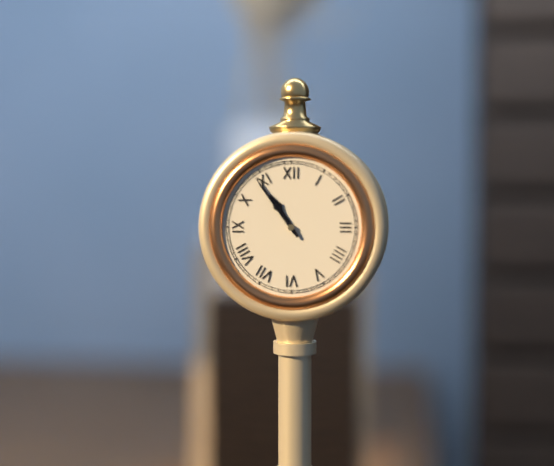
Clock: 10.54
